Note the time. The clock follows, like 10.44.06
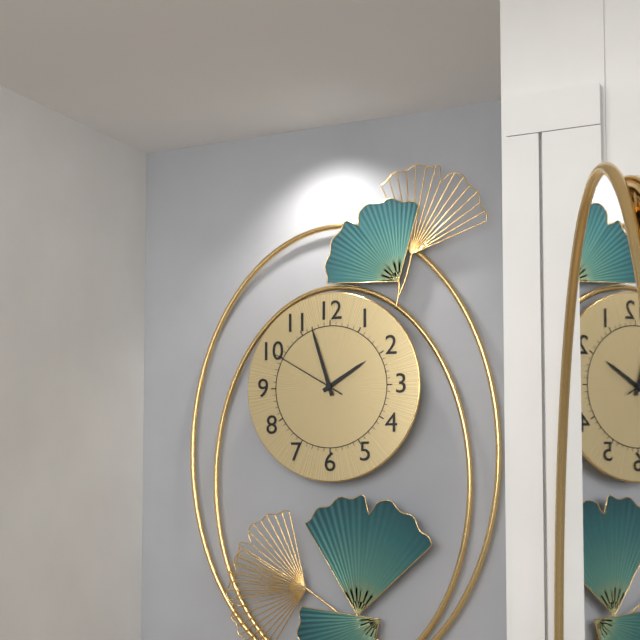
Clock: 1.57.50
